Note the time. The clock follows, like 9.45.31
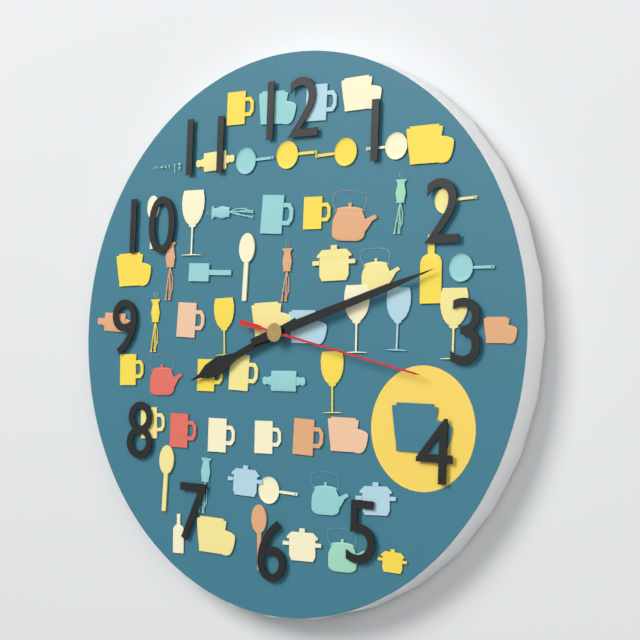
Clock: 8.12.17
